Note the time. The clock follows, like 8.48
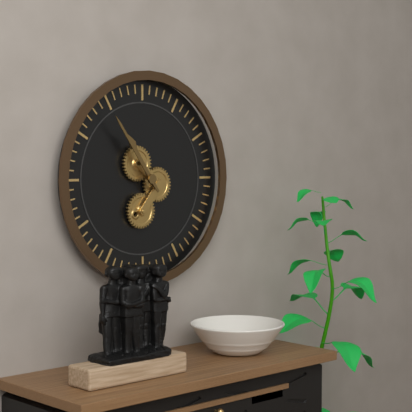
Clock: 10.54
